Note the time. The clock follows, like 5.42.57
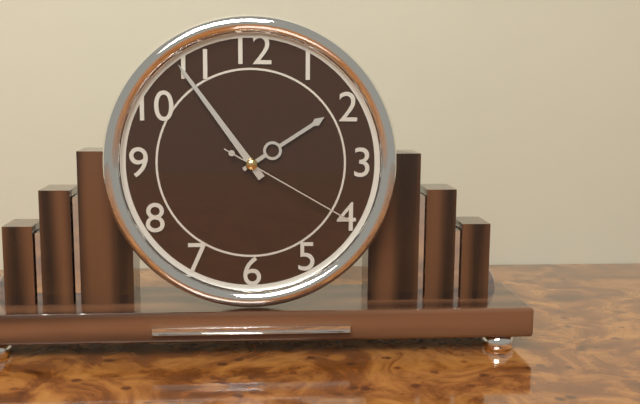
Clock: 1.54.20
